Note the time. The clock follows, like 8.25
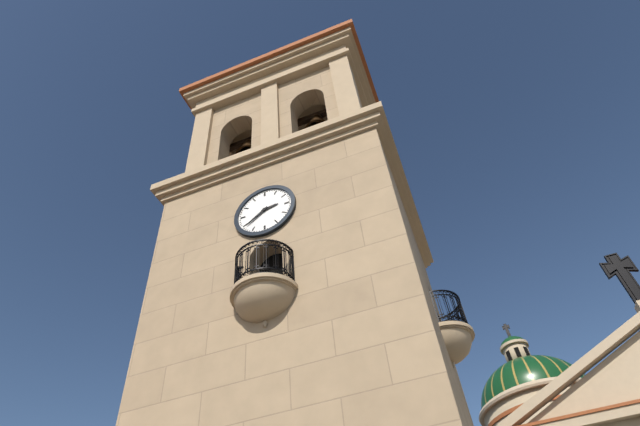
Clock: 2.39
